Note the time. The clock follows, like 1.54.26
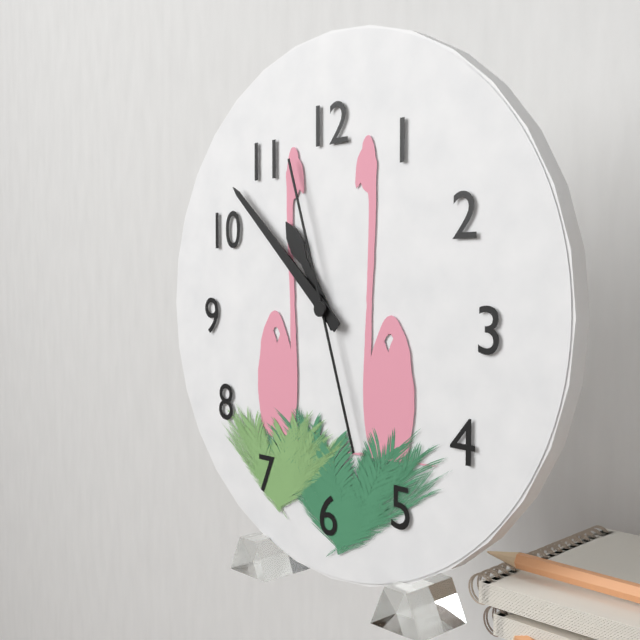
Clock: 10.52.57
